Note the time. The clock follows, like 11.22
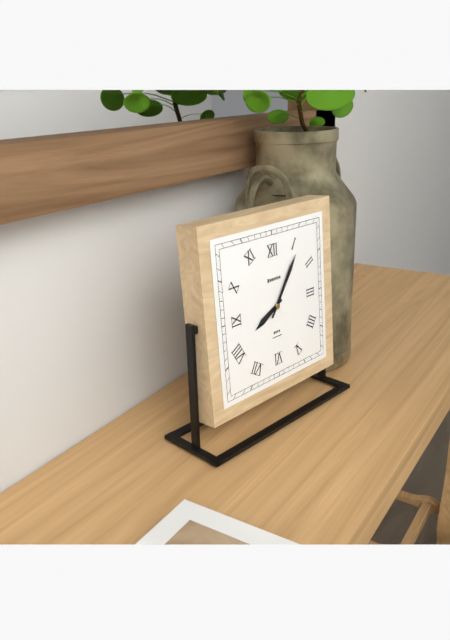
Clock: 8.06
